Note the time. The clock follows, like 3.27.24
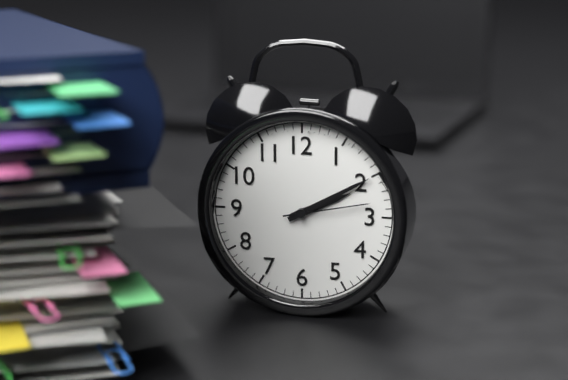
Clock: 2.10.13
